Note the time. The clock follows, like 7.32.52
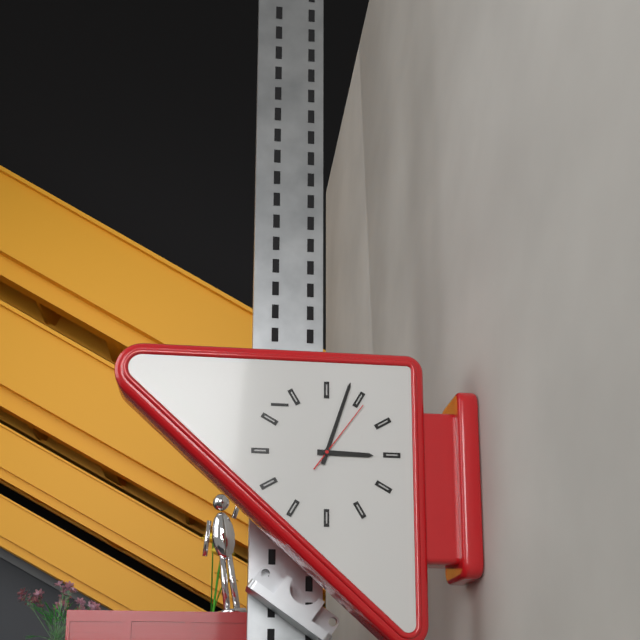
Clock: 3.03.06
